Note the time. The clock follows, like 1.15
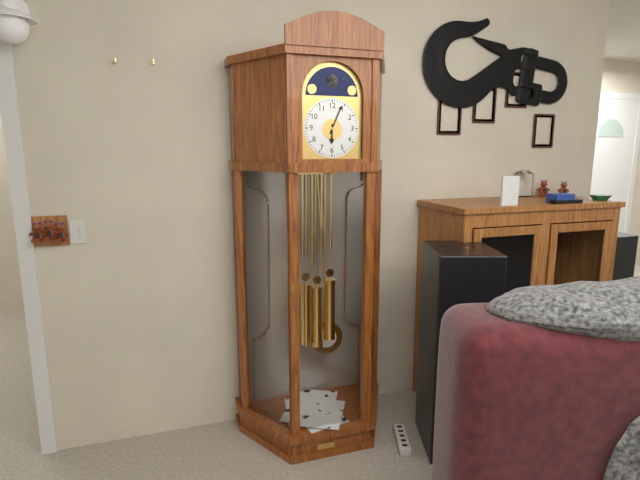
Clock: 6.04
